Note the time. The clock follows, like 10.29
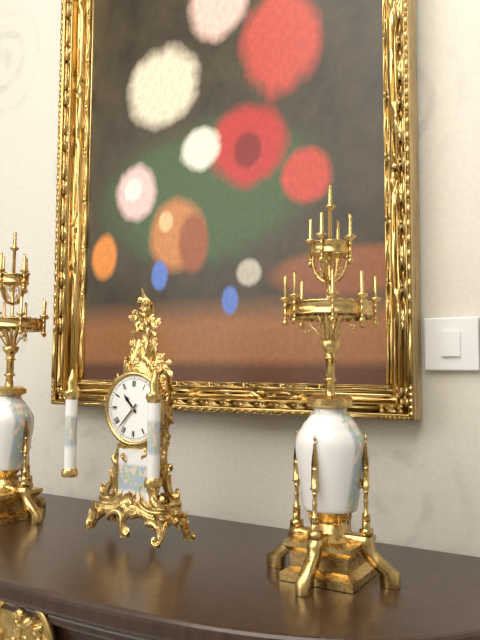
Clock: 10.37
